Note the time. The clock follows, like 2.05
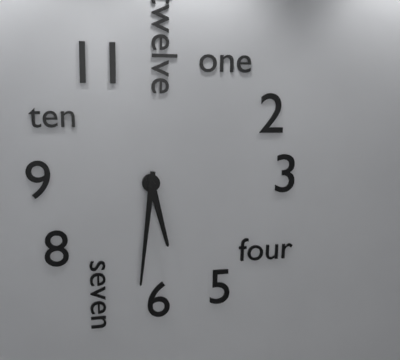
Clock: 5.31
